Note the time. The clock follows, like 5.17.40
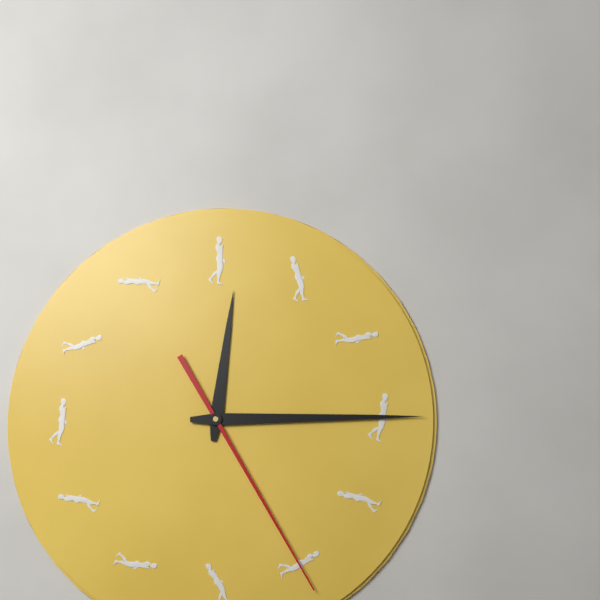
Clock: 12.15.25
